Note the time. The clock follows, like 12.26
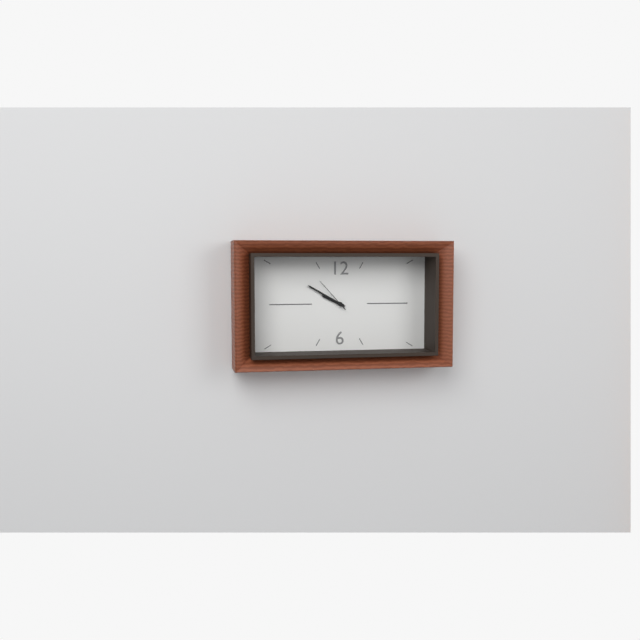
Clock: 9.50
